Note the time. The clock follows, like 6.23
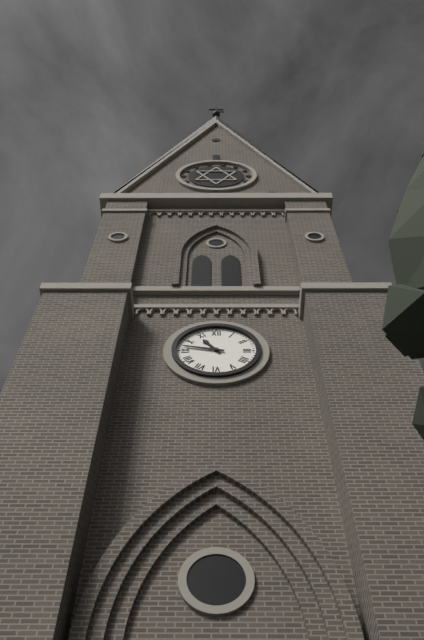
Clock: 10.47
